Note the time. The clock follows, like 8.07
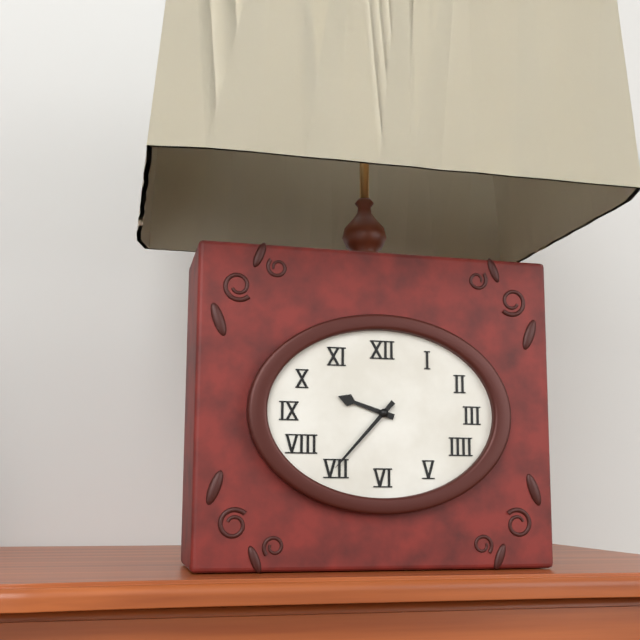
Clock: 9.37
